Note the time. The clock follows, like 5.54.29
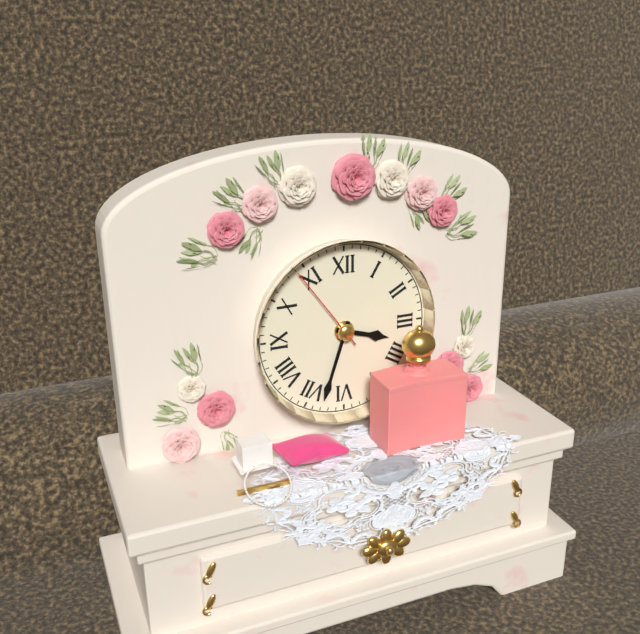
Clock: 3.33.54
